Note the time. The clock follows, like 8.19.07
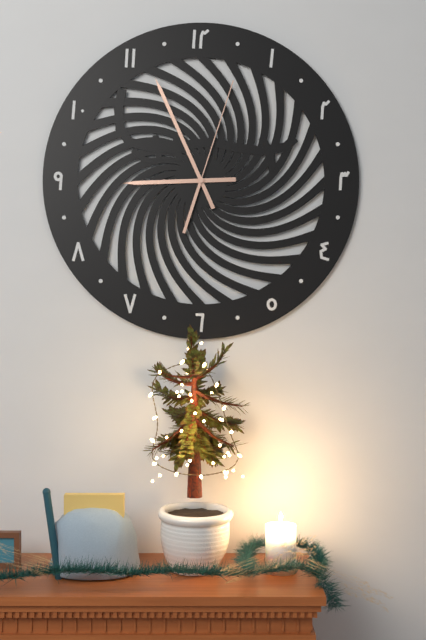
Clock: 8.56.03
